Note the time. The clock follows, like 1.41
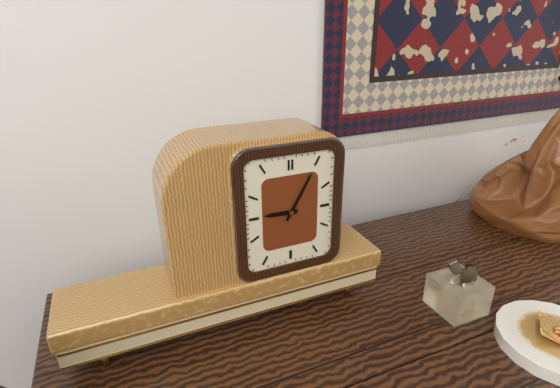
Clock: 9.05
